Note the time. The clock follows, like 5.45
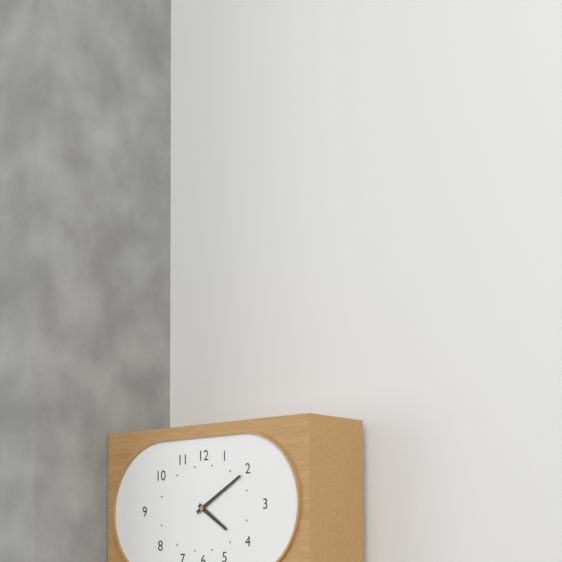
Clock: 4.10
